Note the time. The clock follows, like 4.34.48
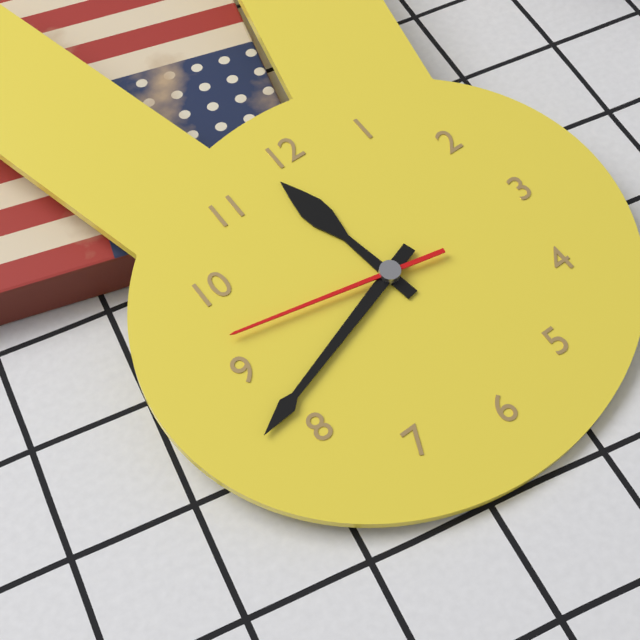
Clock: 11.42.47
